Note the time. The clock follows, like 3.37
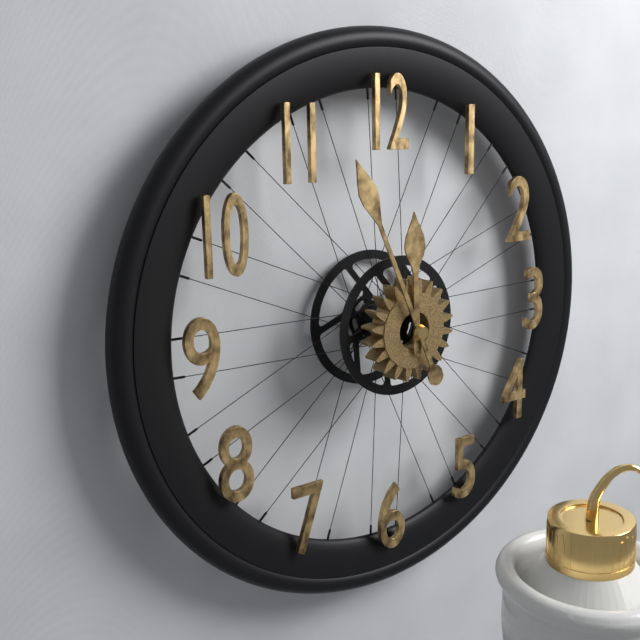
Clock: 11.56
